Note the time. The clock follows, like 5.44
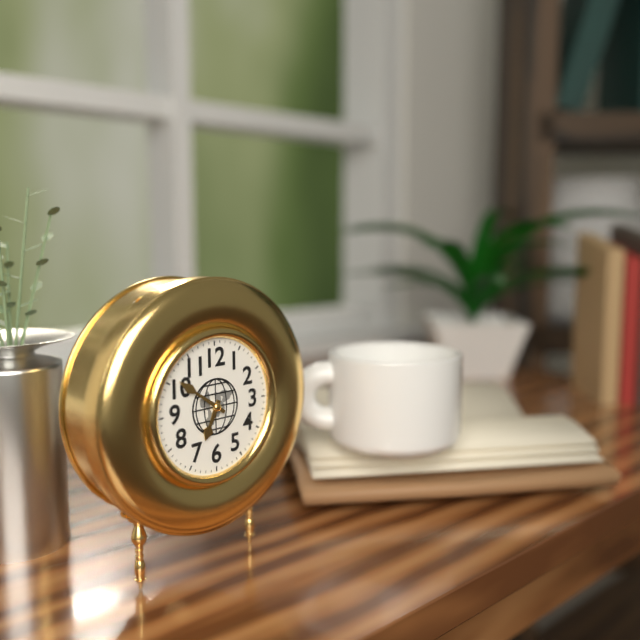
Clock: 6.51
